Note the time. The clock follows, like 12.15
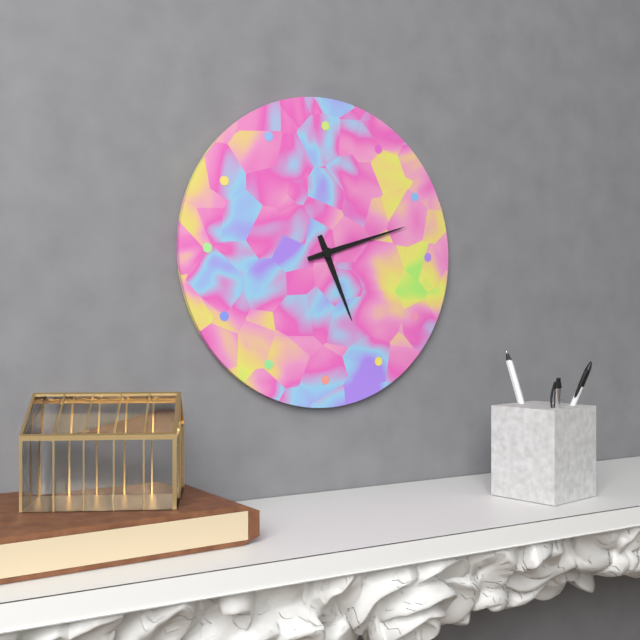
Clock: 5.12
